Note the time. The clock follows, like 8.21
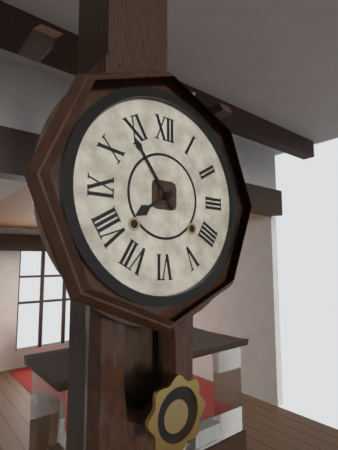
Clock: 7.54
